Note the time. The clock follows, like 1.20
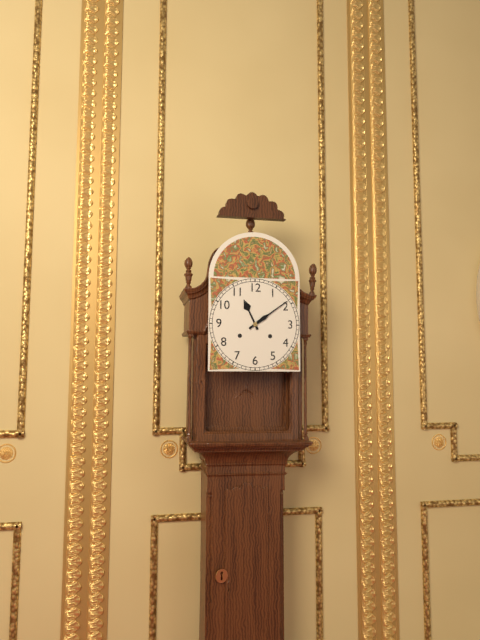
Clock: 11.09
